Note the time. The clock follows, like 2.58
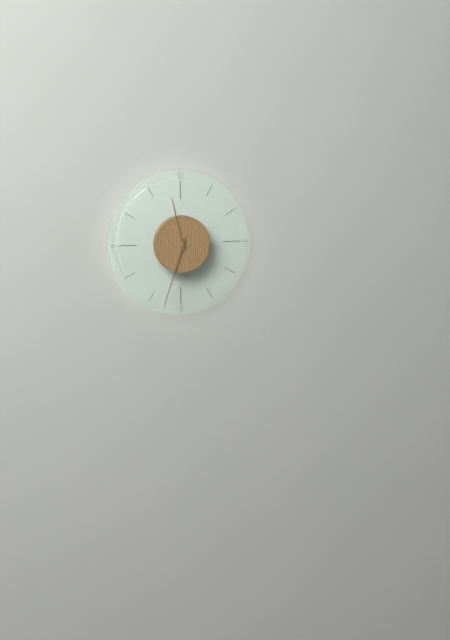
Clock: 11.33
